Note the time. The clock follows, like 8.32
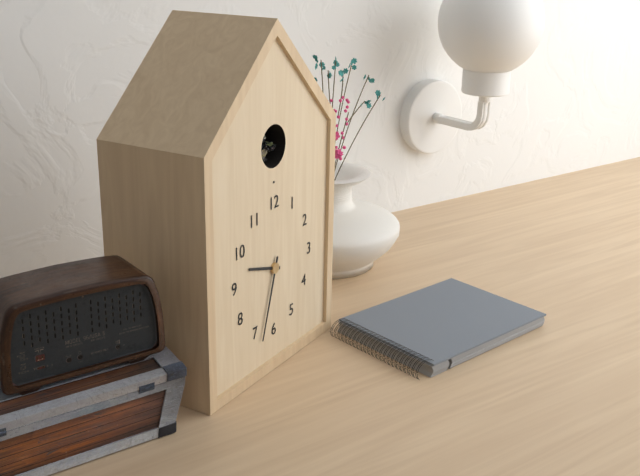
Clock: 9.33
